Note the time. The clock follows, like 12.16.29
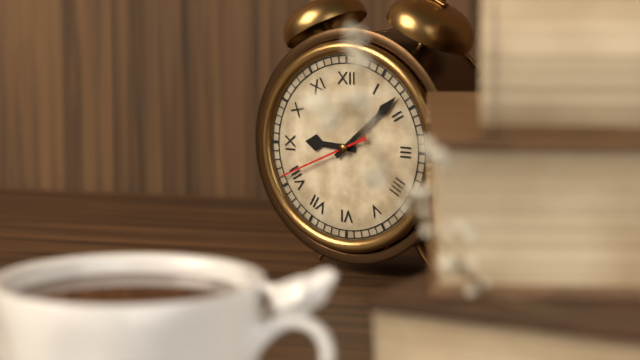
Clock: 9.08.41
